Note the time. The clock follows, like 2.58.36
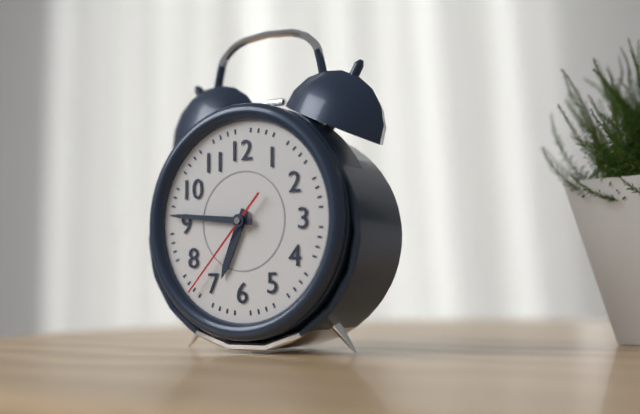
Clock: 6.46.37
